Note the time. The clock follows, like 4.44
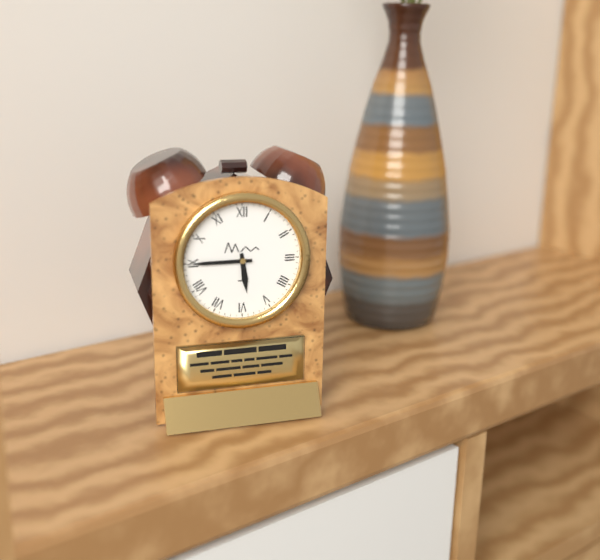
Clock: 5.45
